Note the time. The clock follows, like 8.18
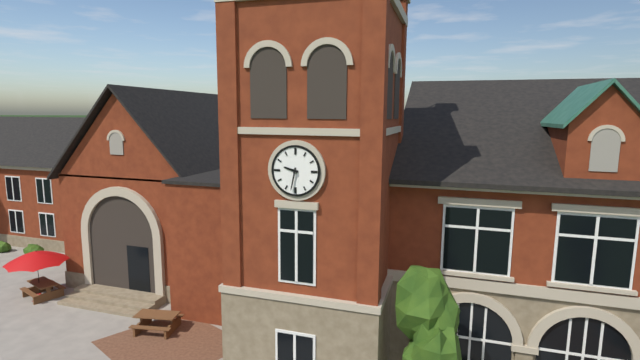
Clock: 9.32
